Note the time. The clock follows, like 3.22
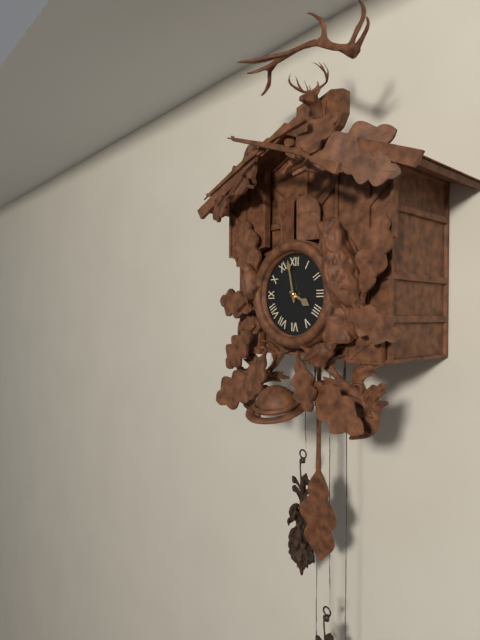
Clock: 3.58
